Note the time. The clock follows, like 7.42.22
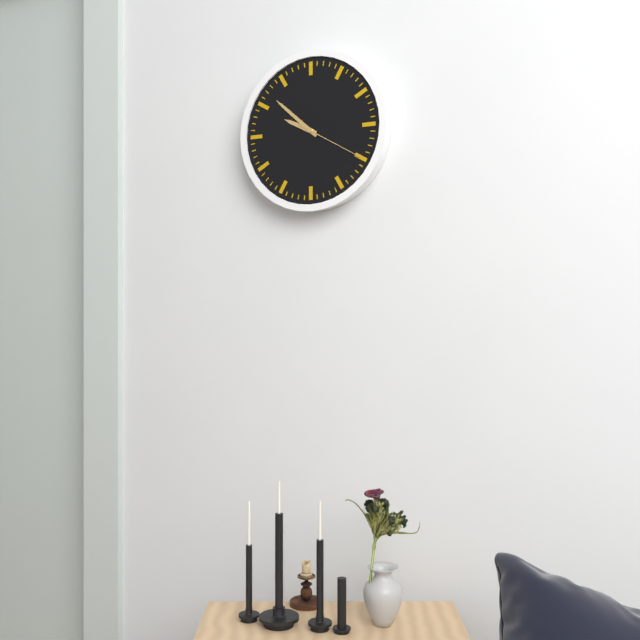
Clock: 9.52.20
